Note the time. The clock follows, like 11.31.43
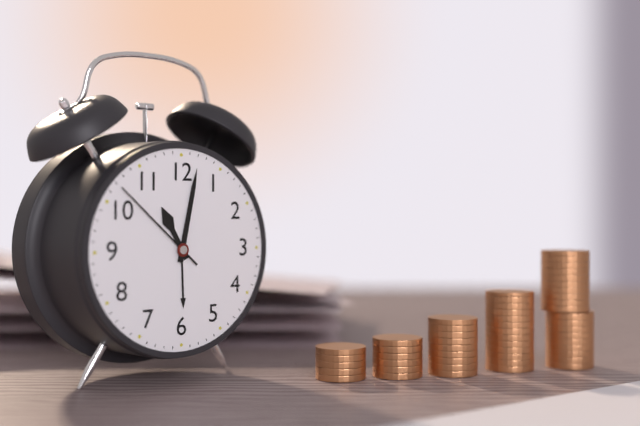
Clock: 11.02.52
